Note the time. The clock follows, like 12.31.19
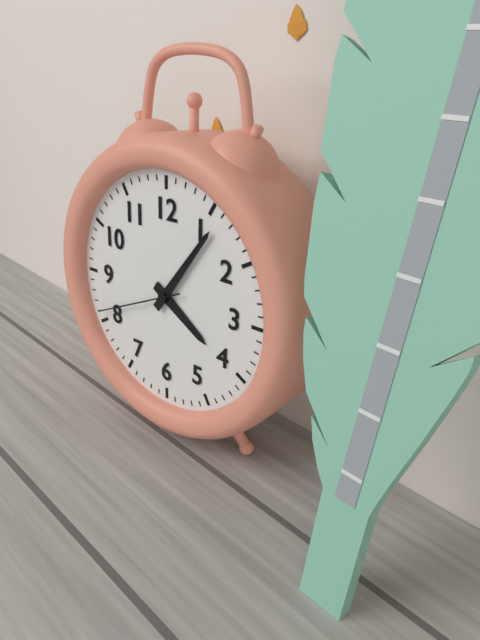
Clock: 4.06.41
